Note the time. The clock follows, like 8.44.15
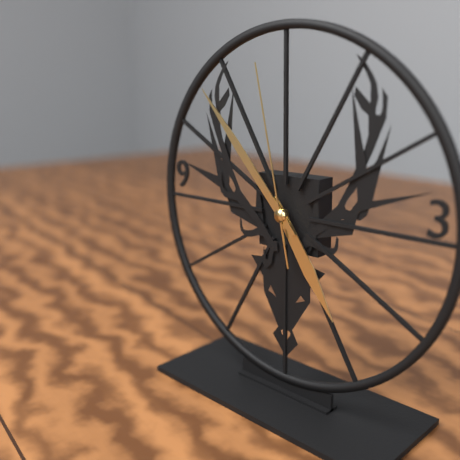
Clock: 4.53.58
